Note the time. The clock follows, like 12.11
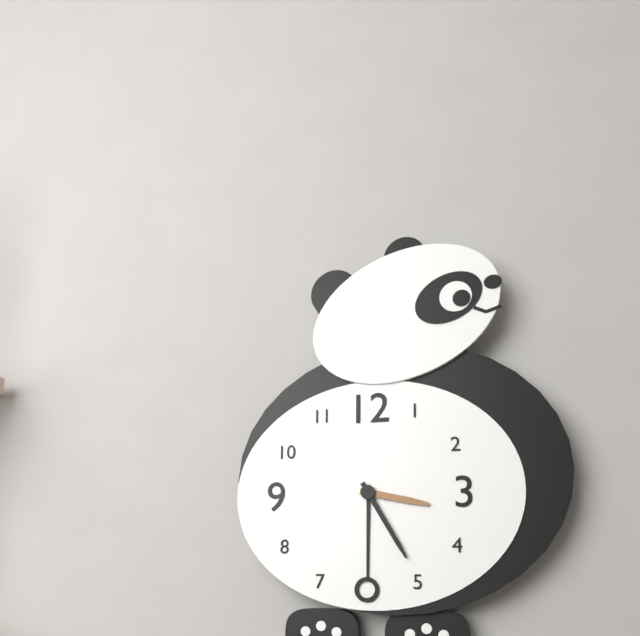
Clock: 3.25
